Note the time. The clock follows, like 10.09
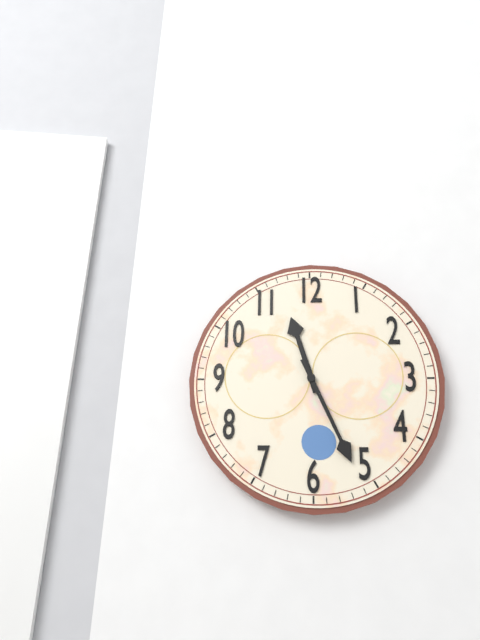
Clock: 11.26
